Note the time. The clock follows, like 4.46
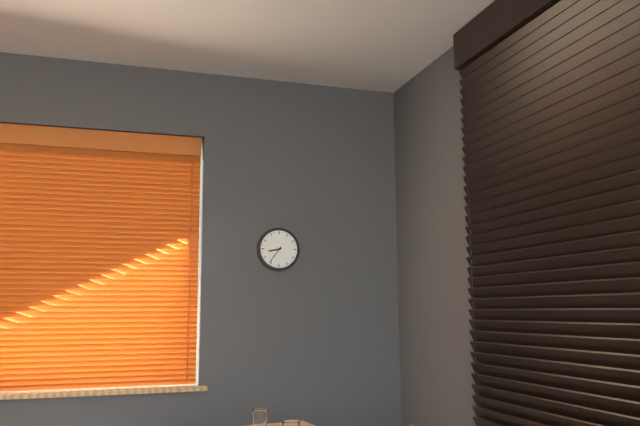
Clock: 8.36
